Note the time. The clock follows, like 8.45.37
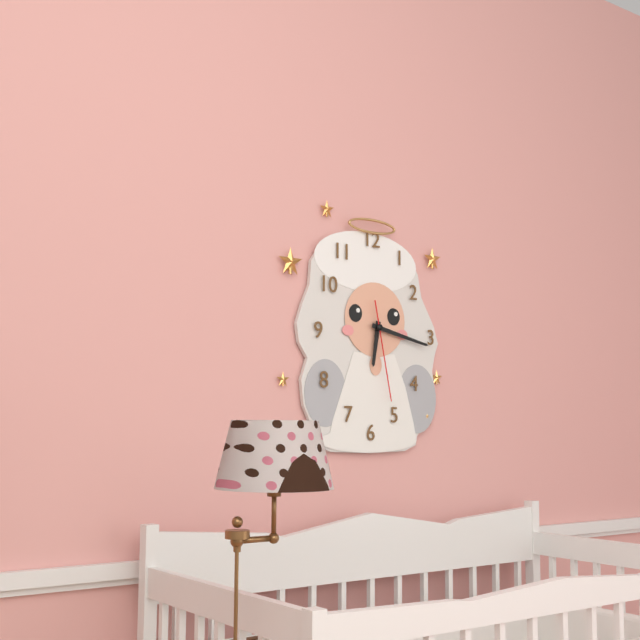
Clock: 6.17.28
